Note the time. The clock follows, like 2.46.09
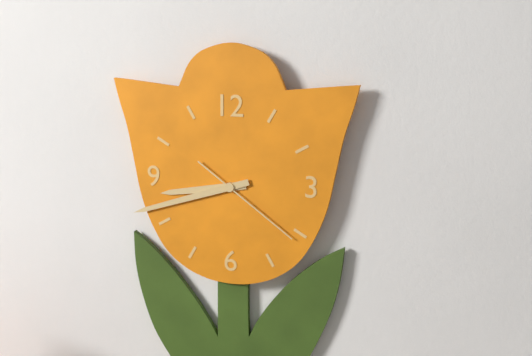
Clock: 8.42.21
